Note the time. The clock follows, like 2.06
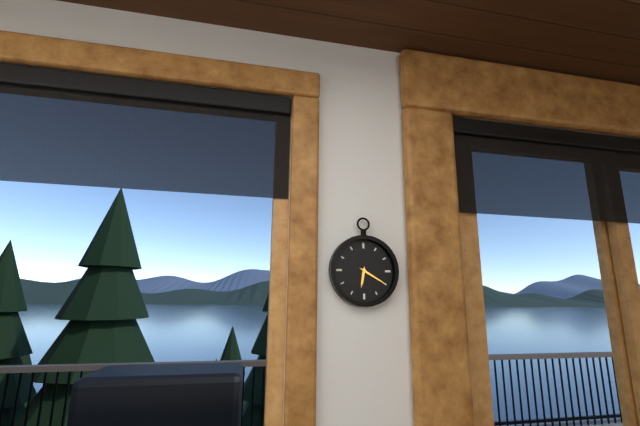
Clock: 6.20
